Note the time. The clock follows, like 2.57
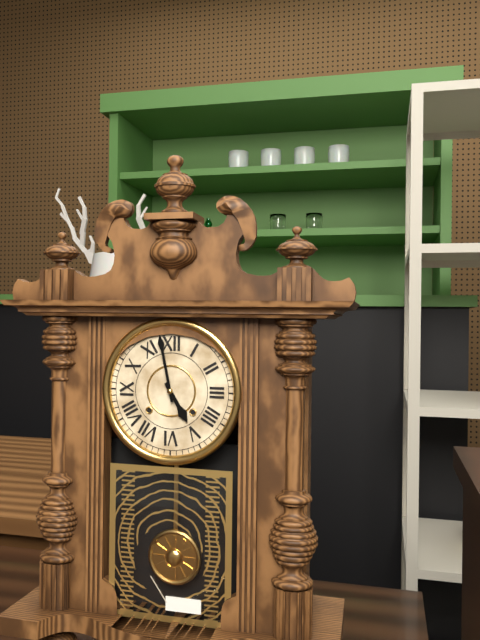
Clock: 4.58
